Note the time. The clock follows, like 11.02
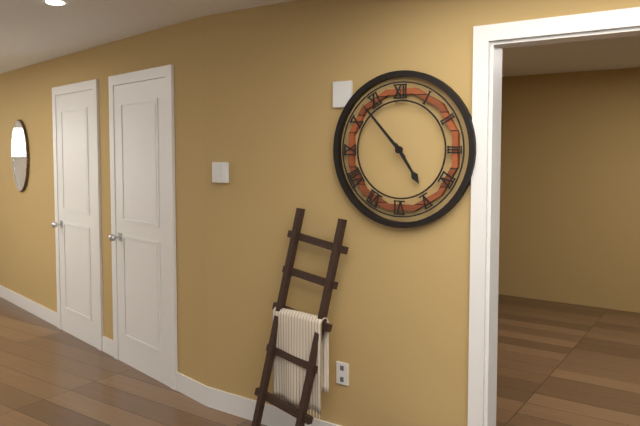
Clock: 4.53
